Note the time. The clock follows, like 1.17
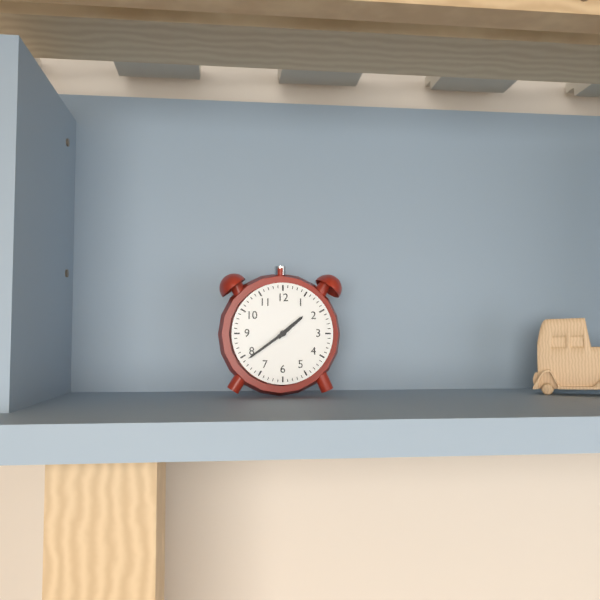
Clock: 1.39
